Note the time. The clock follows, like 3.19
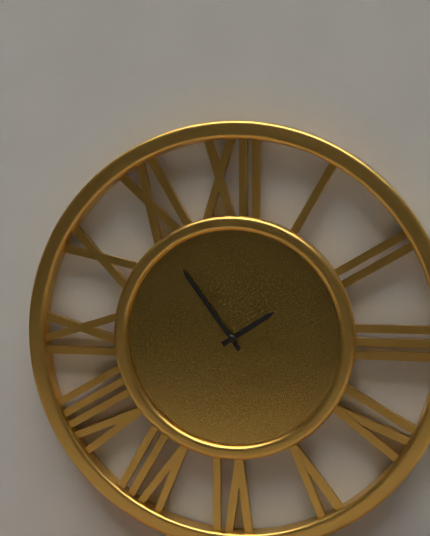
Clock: 1.54
